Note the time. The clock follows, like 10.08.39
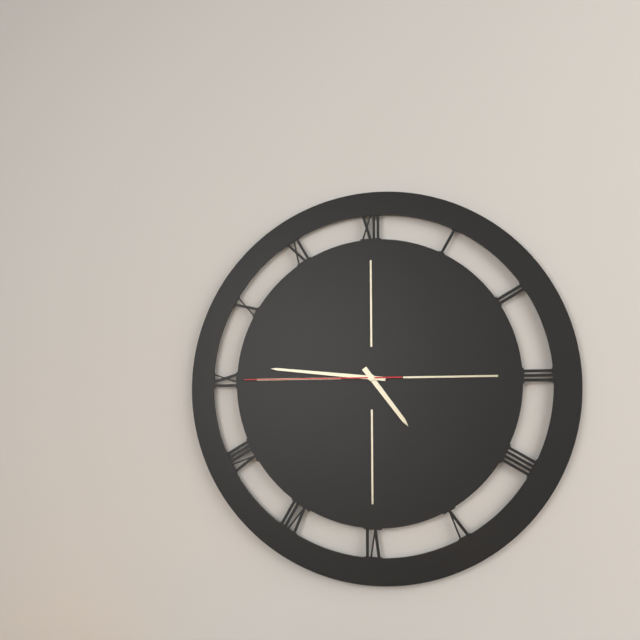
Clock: 4.46.45
